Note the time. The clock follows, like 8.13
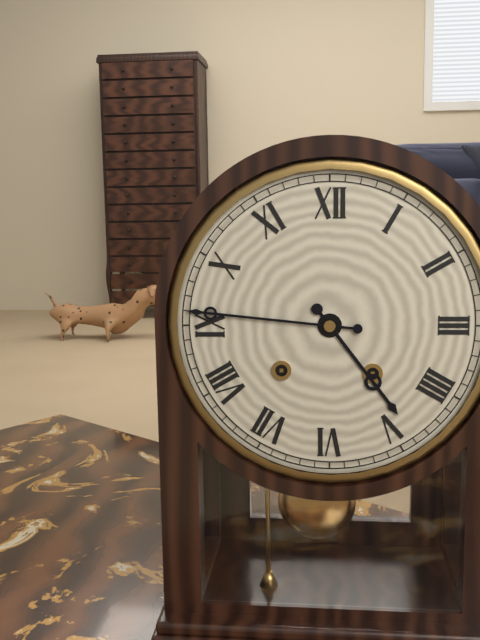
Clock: 4.46
